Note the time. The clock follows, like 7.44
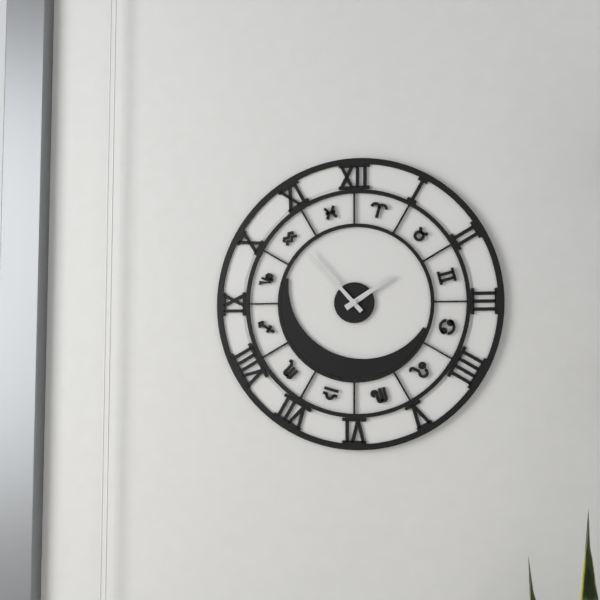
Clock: 1.53
